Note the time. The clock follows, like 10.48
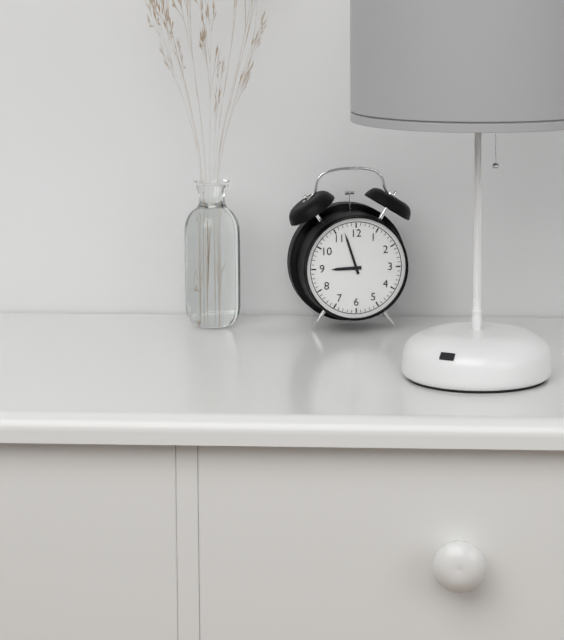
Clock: 8.57
